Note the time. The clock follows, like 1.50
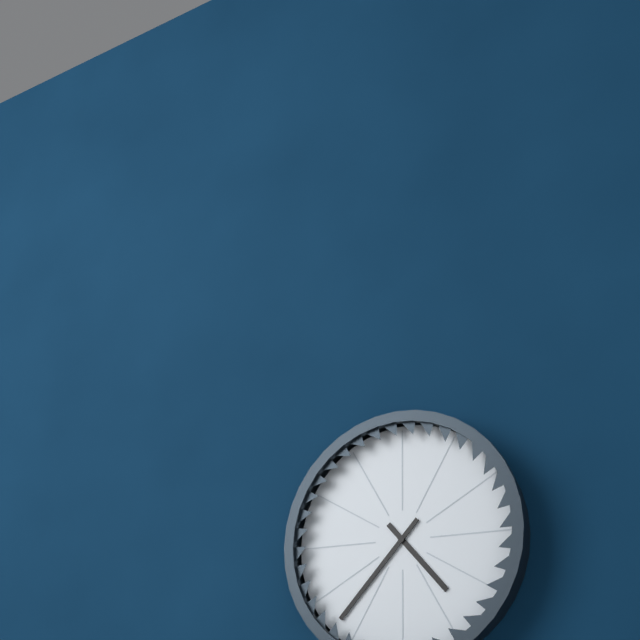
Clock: 4.37
